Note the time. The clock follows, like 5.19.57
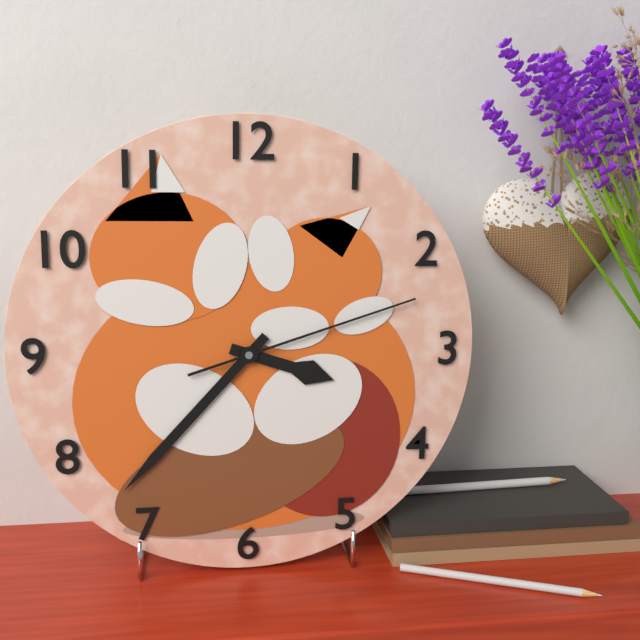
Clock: 3.37.12
